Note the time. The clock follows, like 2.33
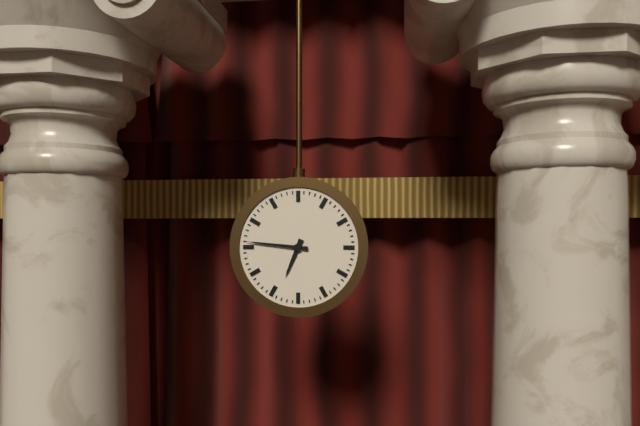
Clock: 6.46
